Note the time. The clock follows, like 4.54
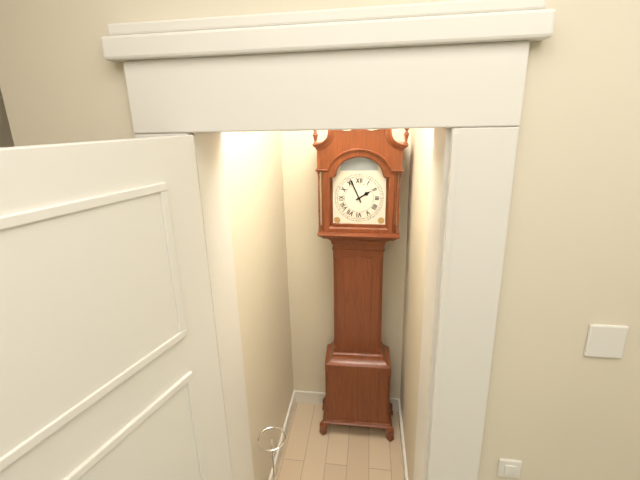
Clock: 1.56
